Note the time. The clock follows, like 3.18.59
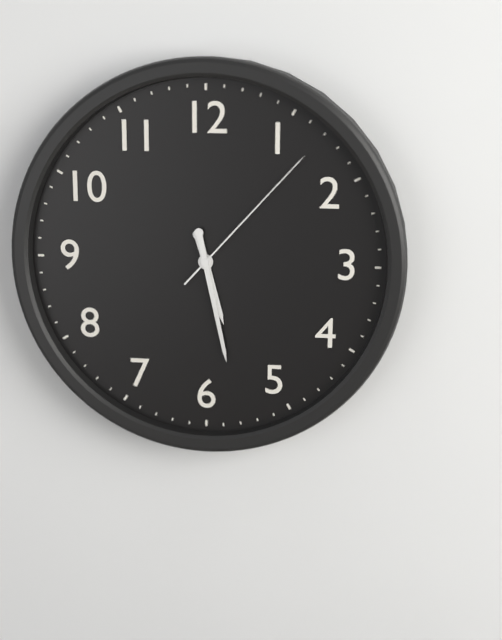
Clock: 5.28.07
